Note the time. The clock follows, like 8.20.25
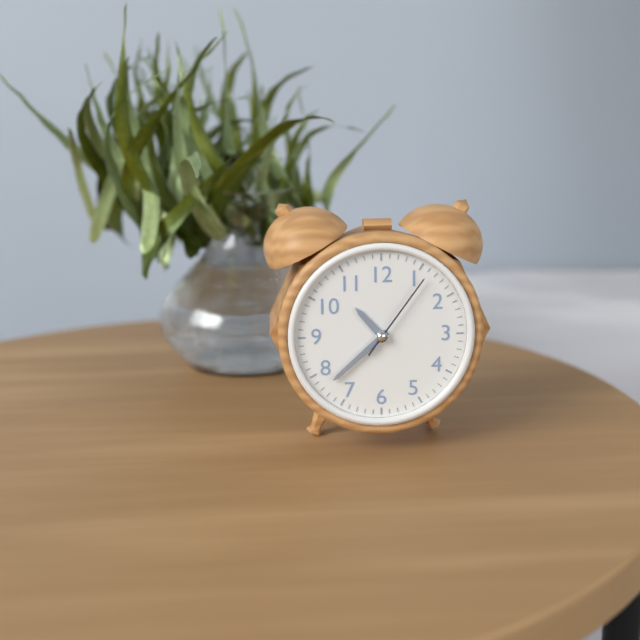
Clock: 10.38.06
